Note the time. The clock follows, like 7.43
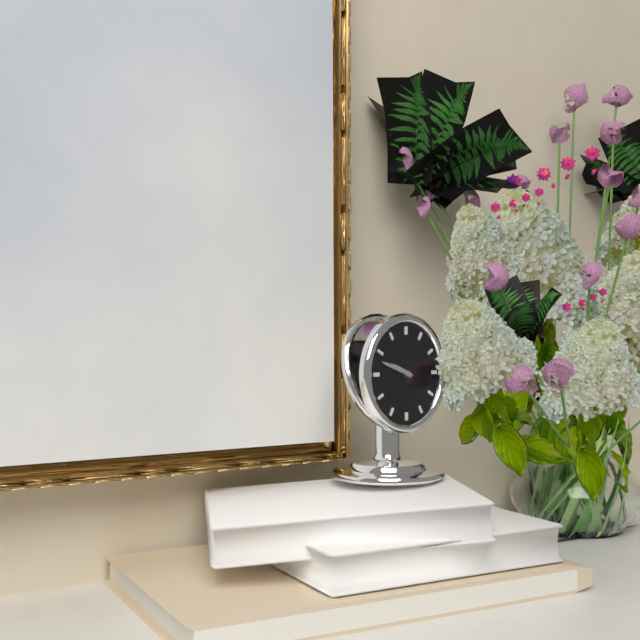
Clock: 9.48
